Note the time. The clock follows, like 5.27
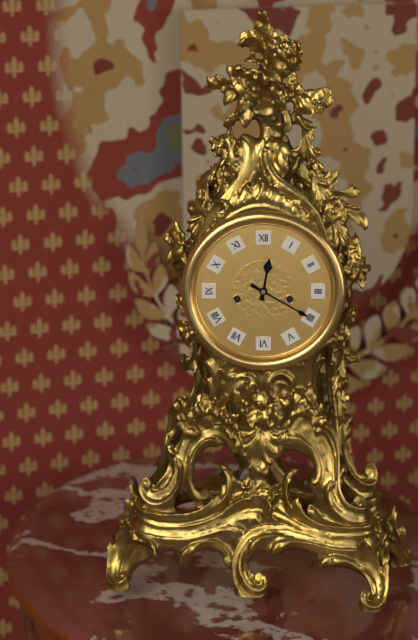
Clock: 12.20
